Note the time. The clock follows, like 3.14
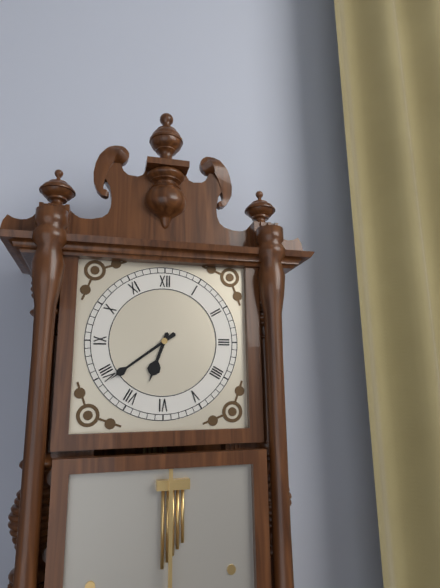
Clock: 6.39
